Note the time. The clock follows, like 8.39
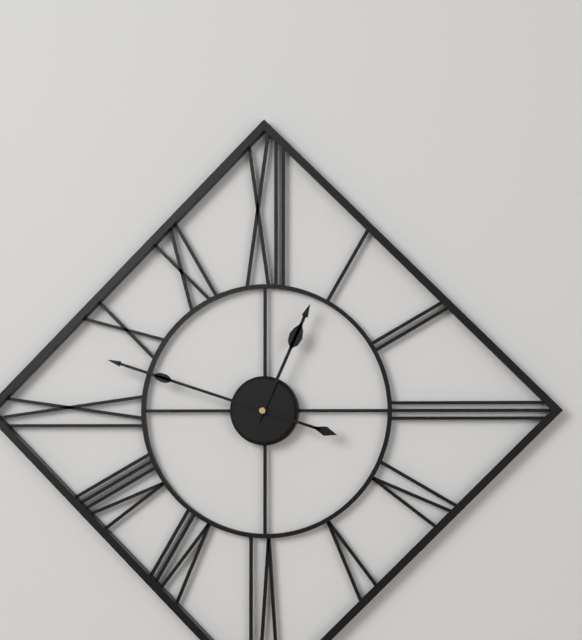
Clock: 12.48
